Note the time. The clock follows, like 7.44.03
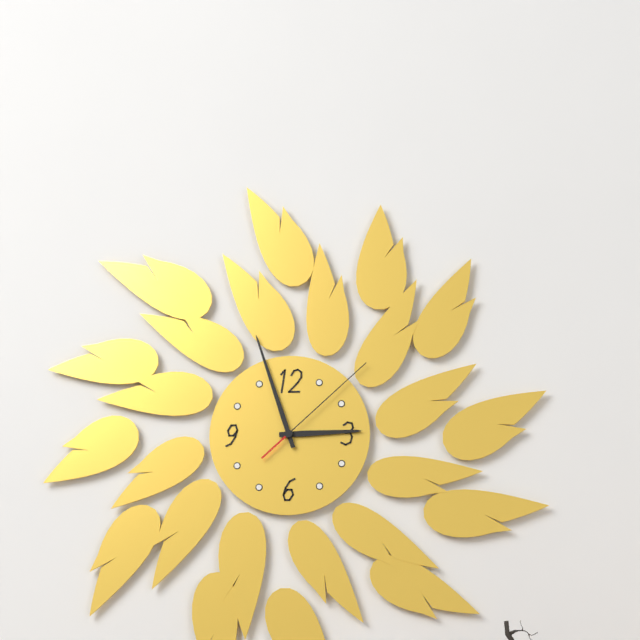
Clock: 2.57.08
